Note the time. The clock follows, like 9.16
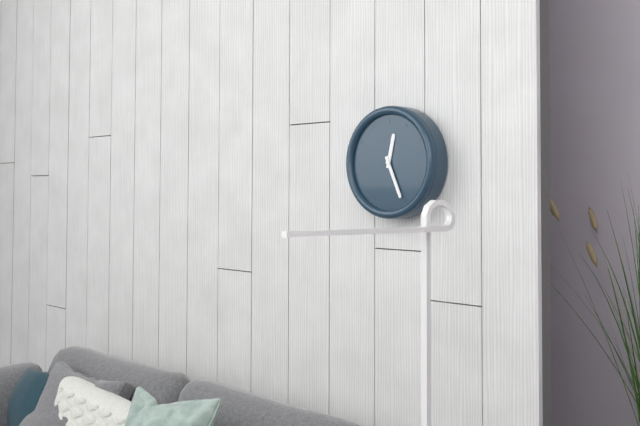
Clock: 12.26
